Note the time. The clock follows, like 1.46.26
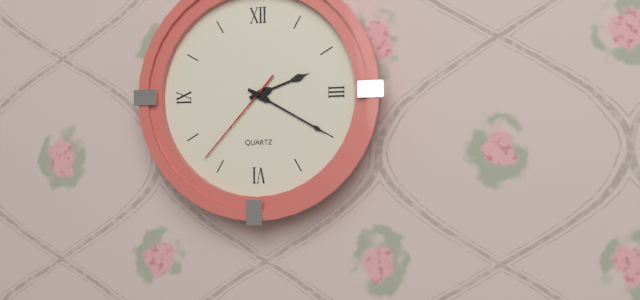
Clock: 2.20.37
